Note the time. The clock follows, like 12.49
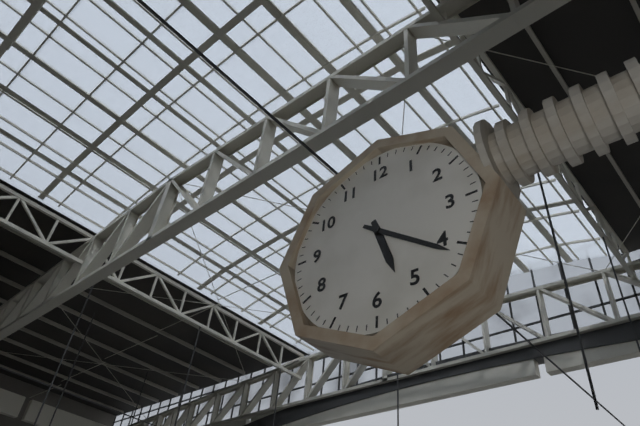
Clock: 5.21
